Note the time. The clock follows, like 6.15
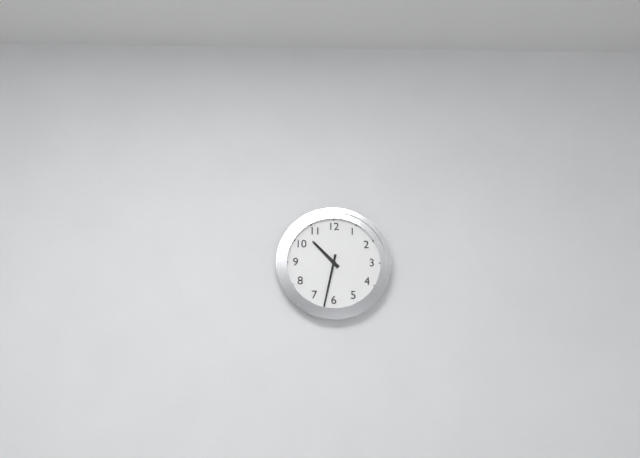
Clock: 10.32
